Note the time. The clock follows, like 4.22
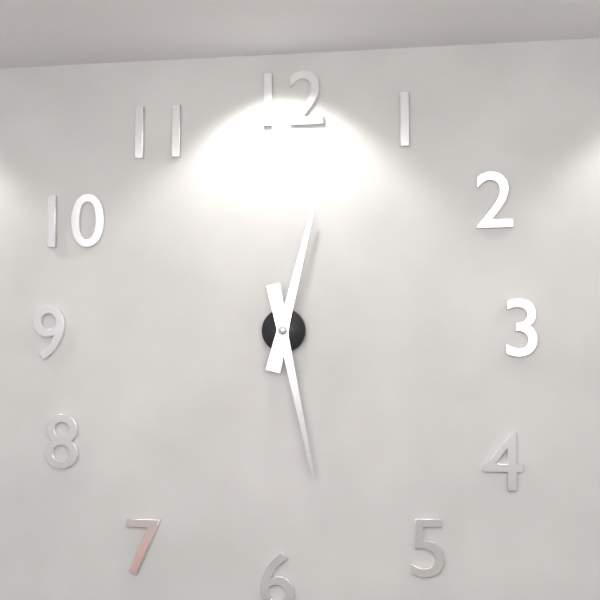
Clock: 12.28
